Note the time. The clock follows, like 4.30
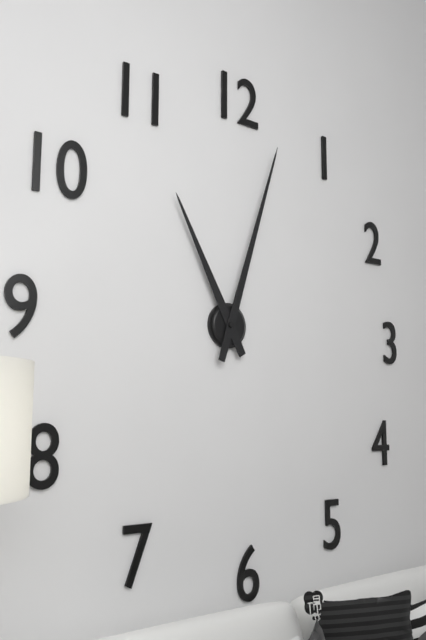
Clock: 11.03
